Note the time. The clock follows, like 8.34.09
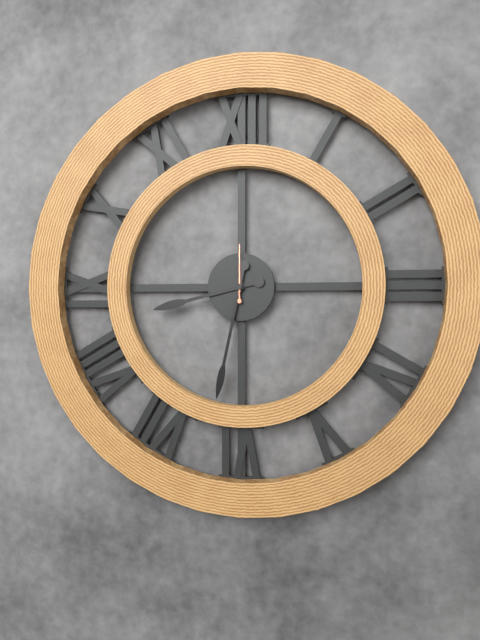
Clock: 8.32.00
